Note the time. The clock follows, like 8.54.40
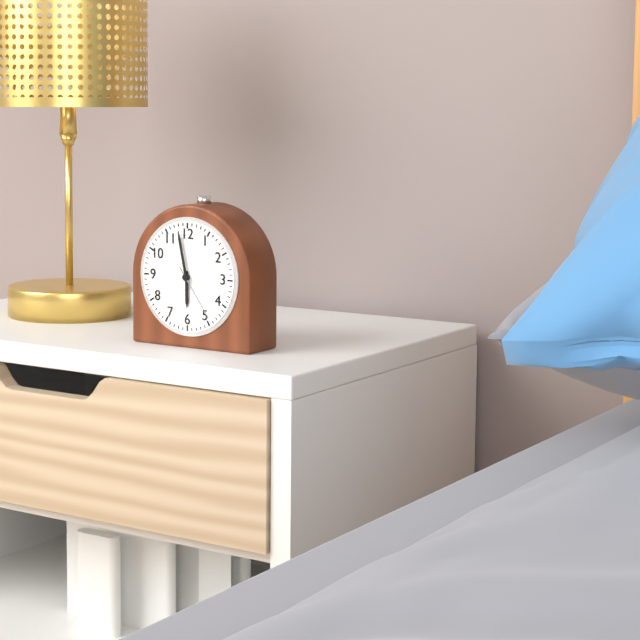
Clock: 5.58.24
